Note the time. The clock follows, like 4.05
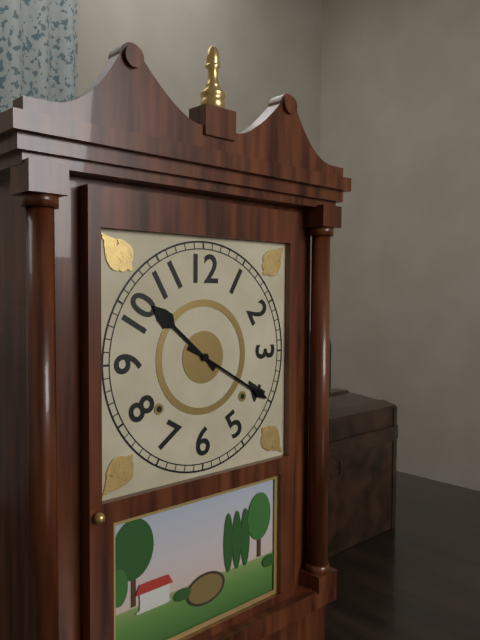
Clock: 10.20
